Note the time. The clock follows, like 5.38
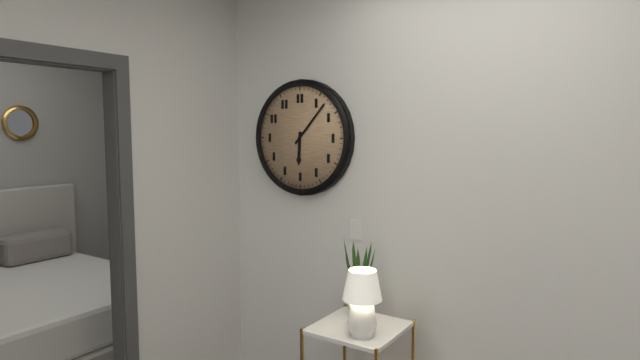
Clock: 6.07
